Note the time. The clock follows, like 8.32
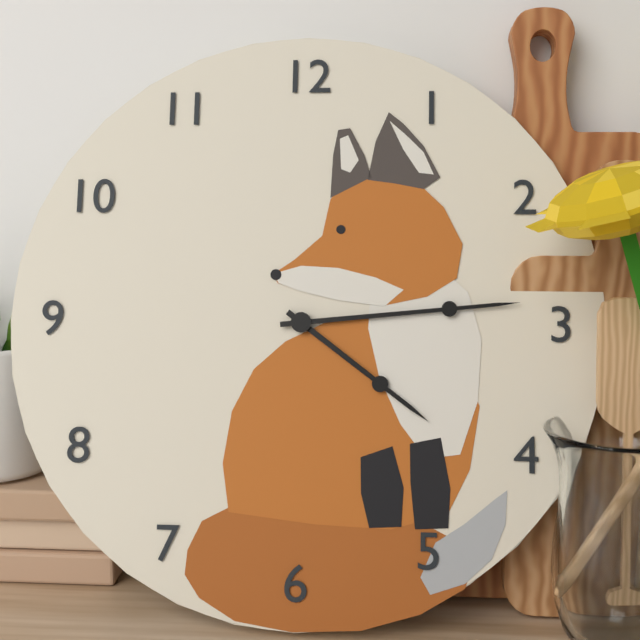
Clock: 4.14
